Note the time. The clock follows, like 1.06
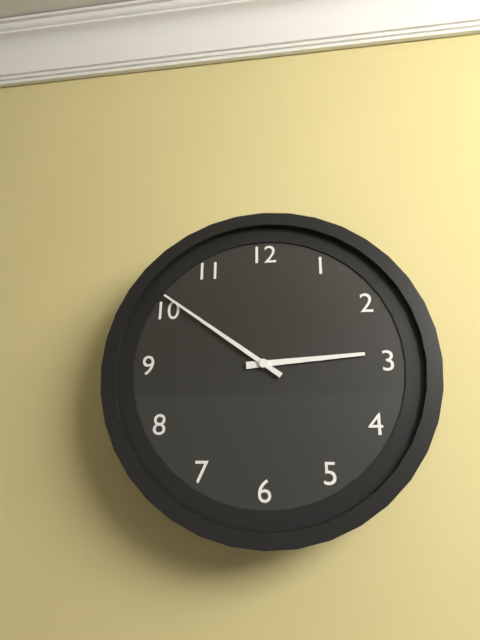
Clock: 2.51
